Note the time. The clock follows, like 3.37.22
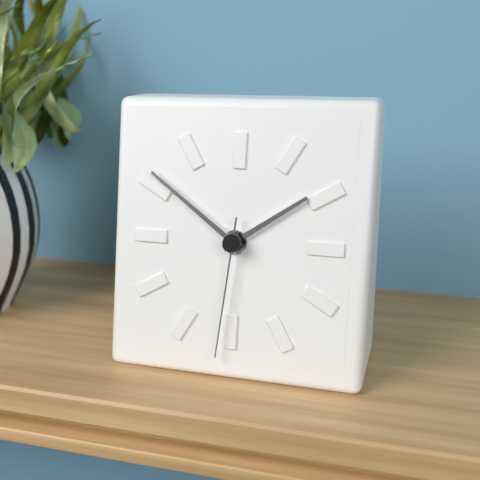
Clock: 1.51.31
